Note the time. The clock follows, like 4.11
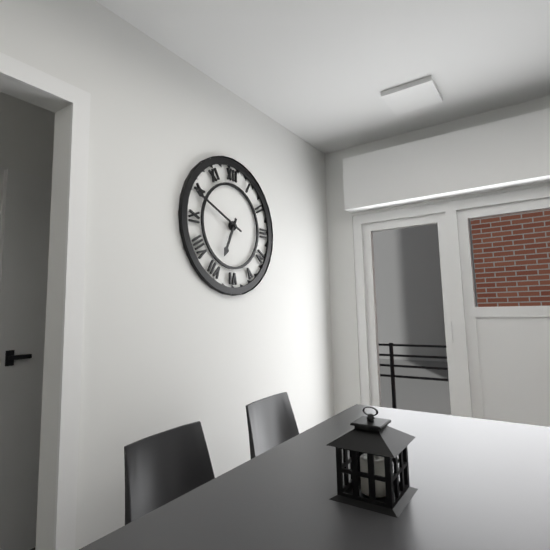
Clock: 6.49
